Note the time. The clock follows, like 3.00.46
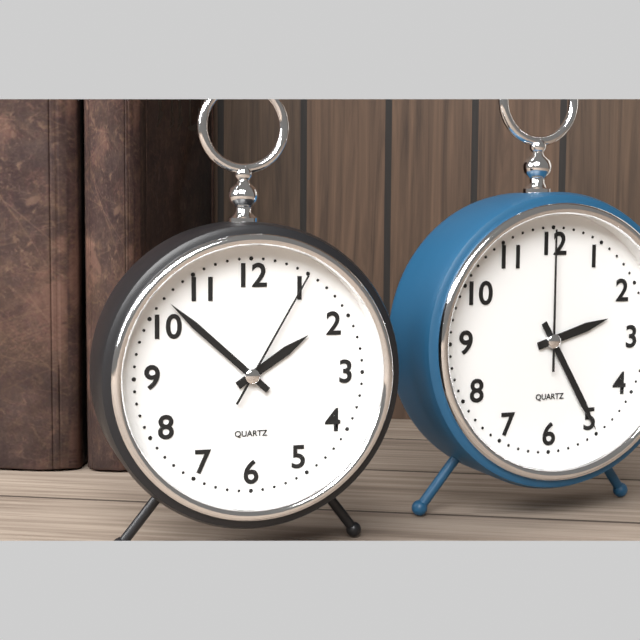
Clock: 1.52.05
